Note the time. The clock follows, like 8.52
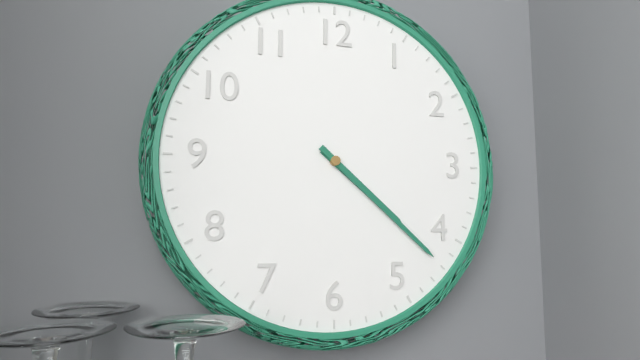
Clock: 4.22
